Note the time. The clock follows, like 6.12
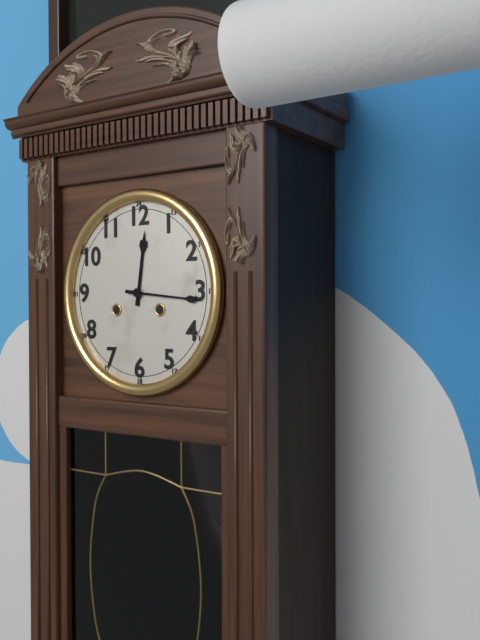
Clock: 12.16
